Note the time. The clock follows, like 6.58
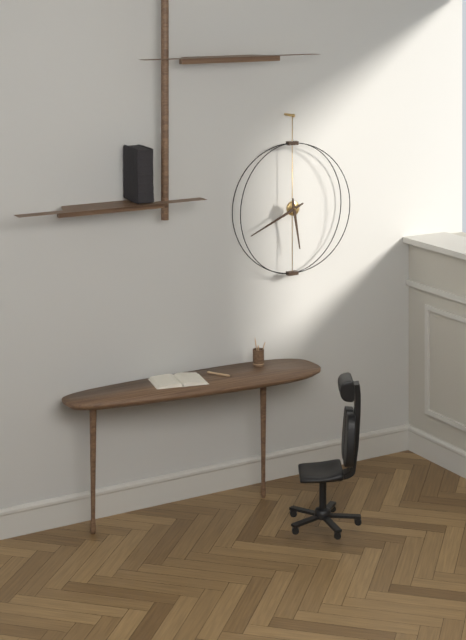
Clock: 5.41
